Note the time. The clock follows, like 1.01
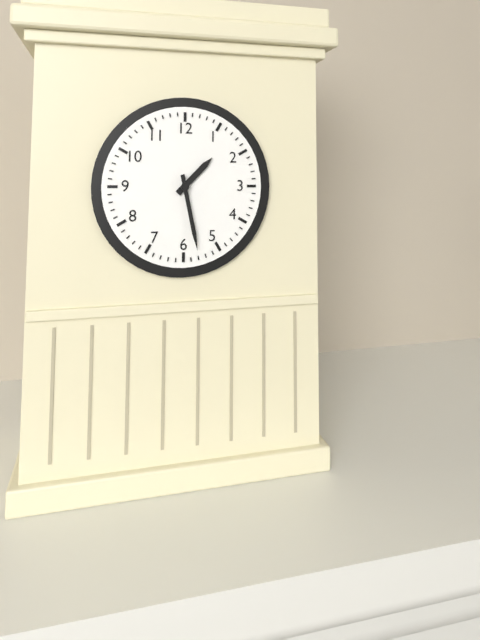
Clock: 1.28
